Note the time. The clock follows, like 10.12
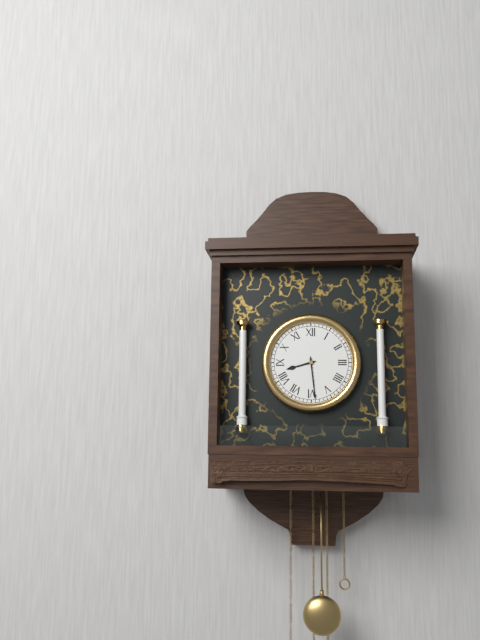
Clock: 8.29
